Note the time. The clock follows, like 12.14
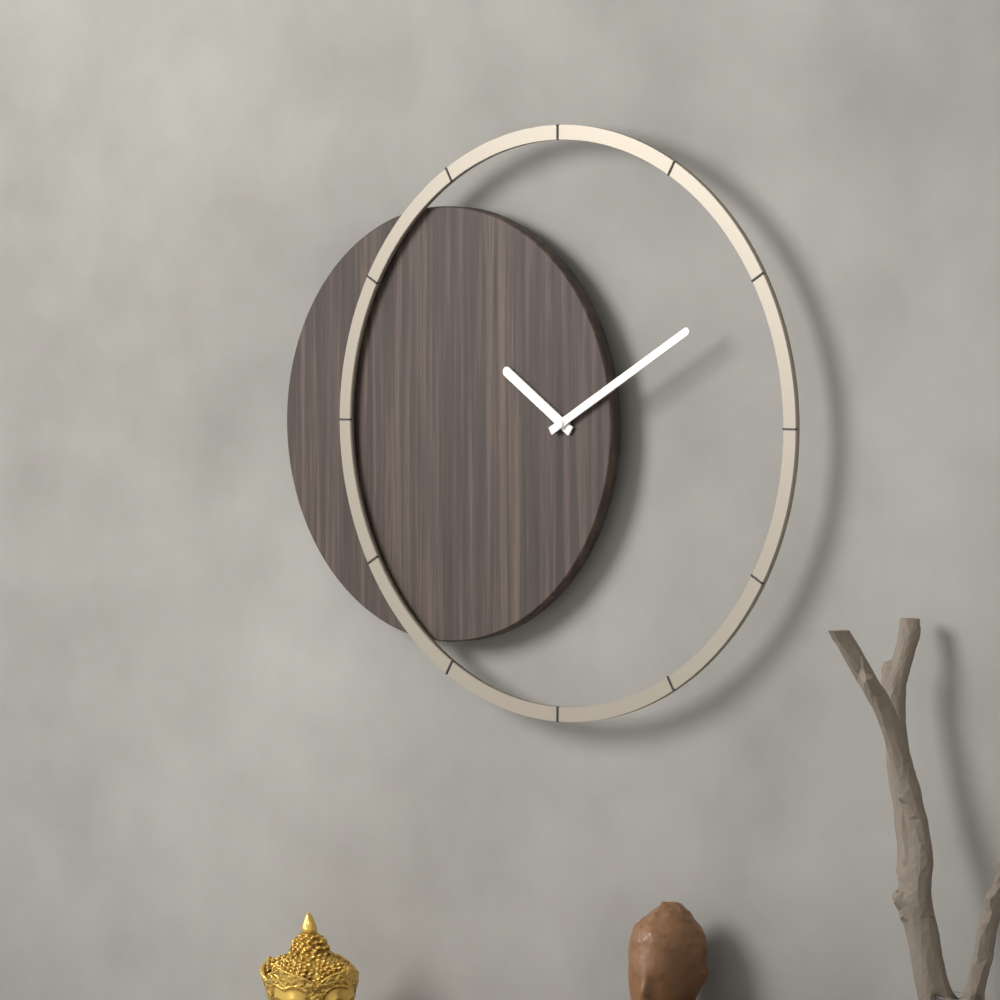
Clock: 10.10
